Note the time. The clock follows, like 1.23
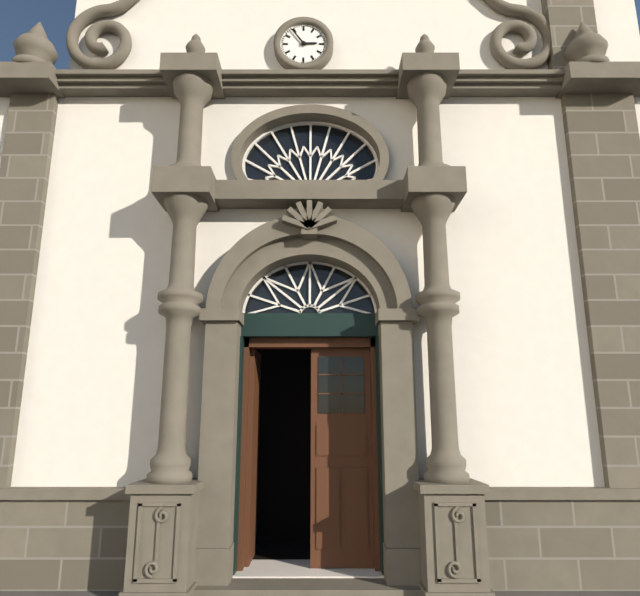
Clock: 2.54
